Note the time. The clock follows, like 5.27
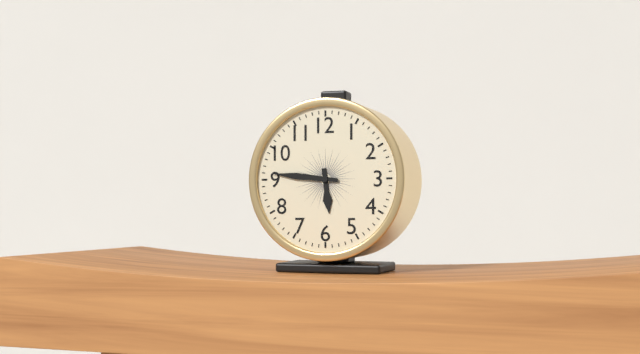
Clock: 5.46
